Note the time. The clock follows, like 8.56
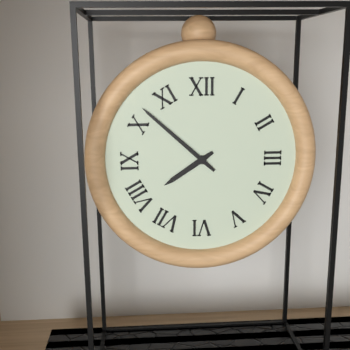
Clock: 7.52
